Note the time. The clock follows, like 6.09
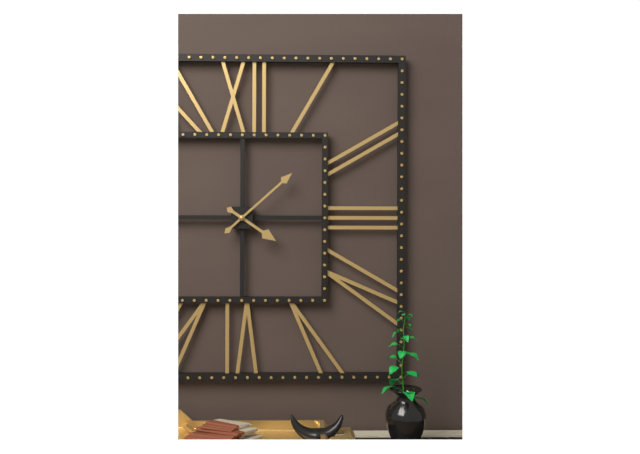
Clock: 4.08
